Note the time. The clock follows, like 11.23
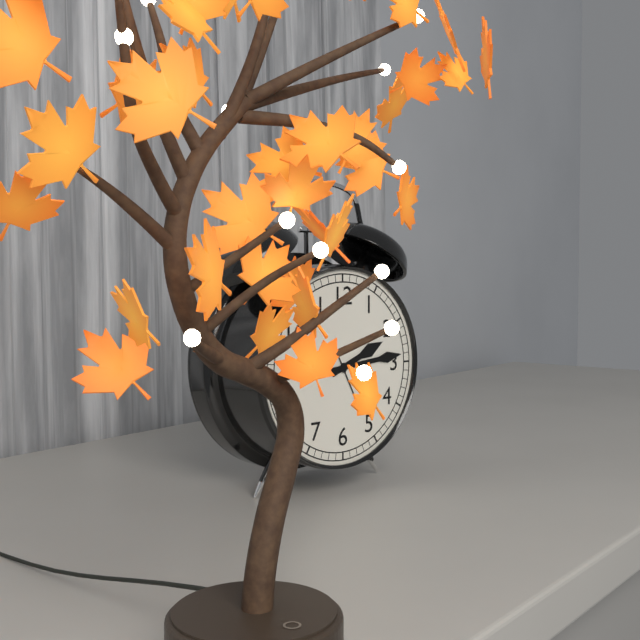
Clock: 2.14
